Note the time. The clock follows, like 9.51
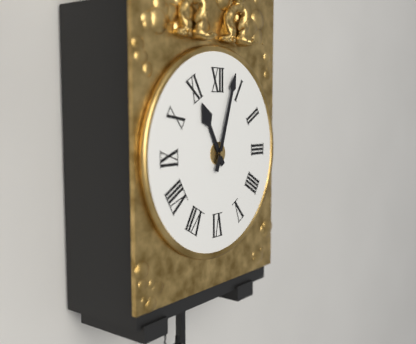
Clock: 11.03
